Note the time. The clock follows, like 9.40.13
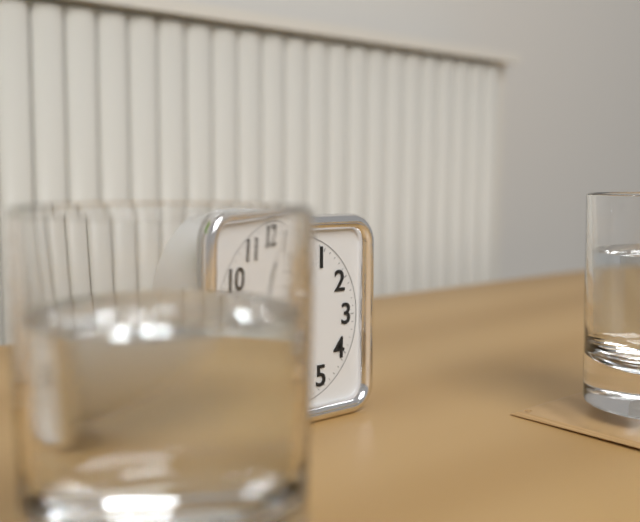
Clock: 12.38.03
